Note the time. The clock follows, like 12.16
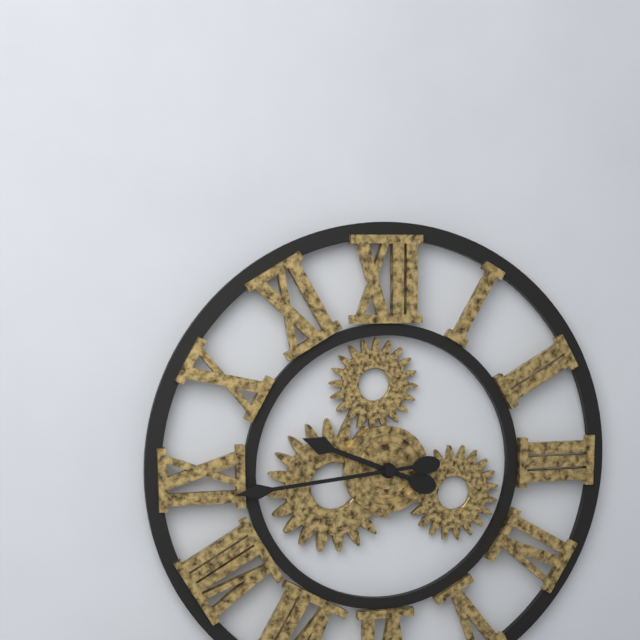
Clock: 9.44
